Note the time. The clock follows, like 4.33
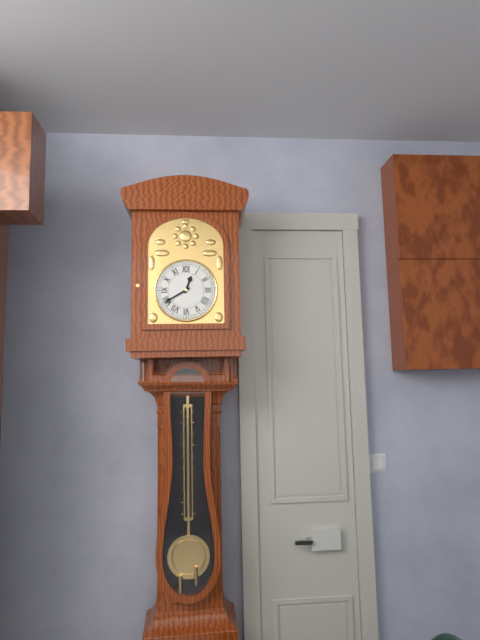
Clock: 12.40
